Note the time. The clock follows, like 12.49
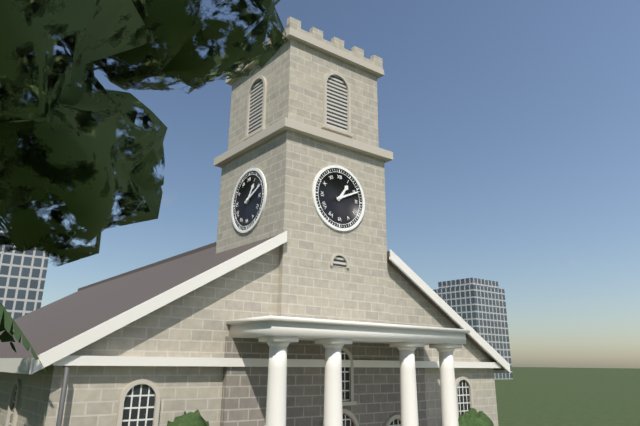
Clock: 1.11
